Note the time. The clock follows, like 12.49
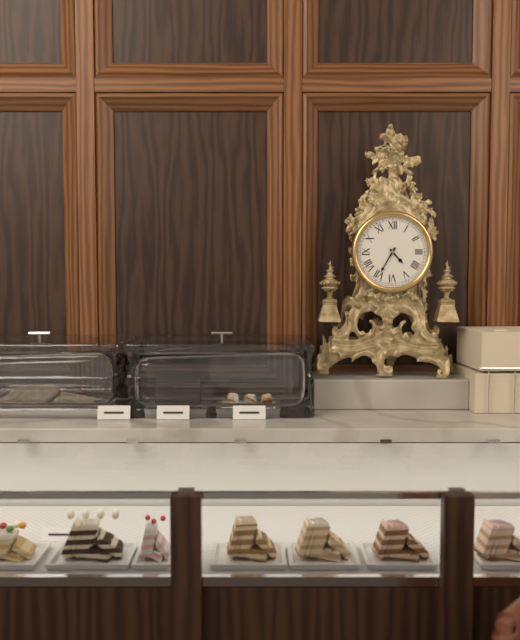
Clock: 4.35
